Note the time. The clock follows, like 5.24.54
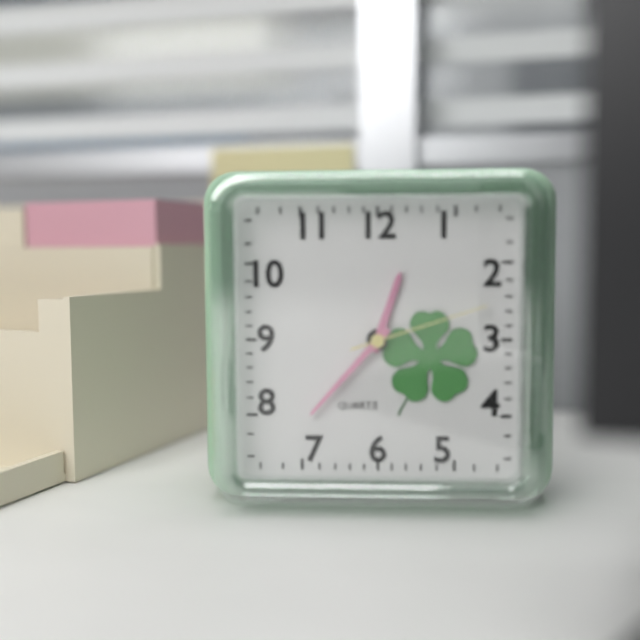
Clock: 12.37.12
